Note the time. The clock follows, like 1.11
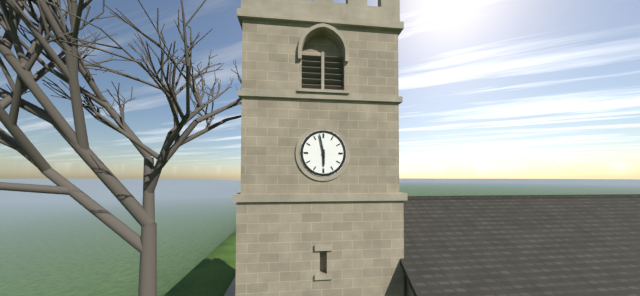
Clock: 5.58
